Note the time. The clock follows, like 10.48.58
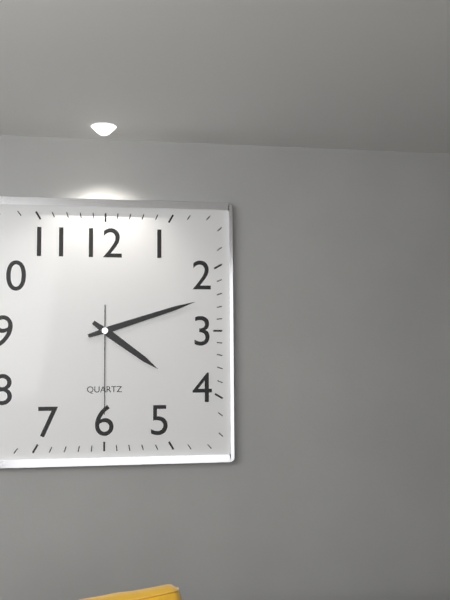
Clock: 4.12.30
